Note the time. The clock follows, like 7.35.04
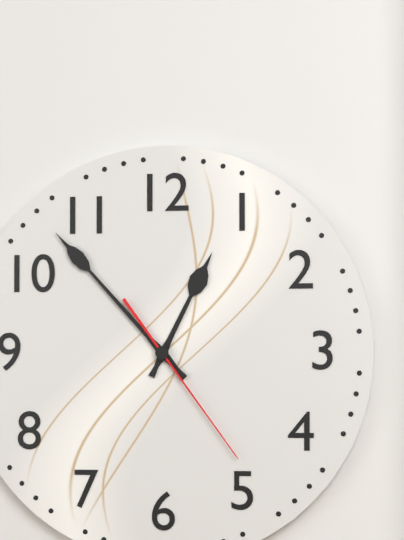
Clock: 12.53.24
